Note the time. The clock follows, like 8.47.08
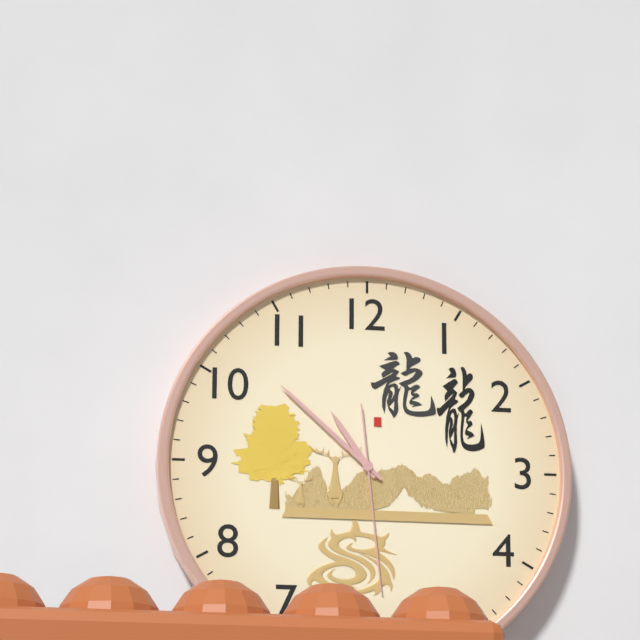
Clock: 10.52.29
